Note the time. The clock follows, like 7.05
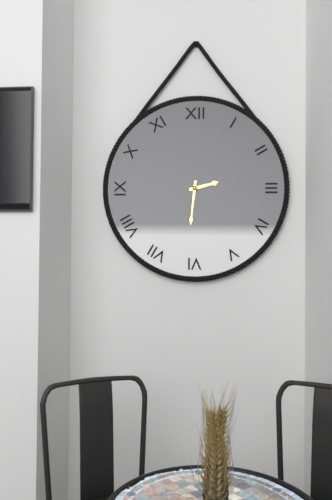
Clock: 2.31
